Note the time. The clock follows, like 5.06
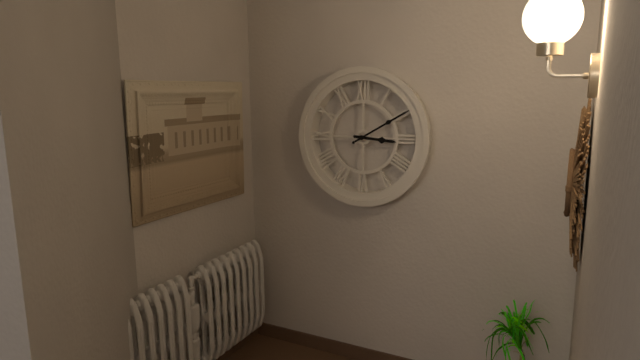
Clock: 3.10
